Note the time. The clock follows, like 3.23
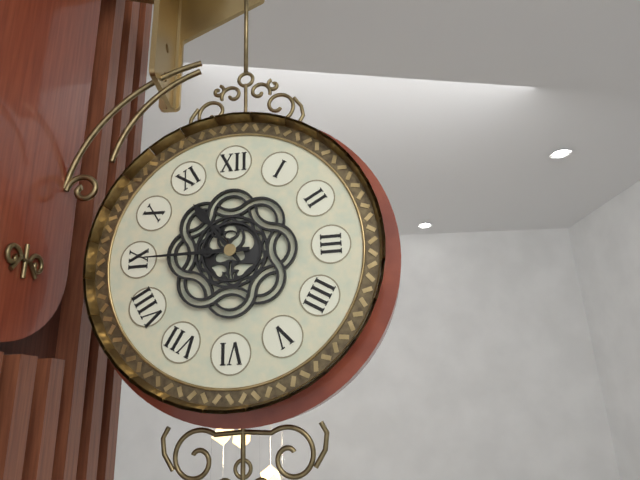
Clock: 10.45
